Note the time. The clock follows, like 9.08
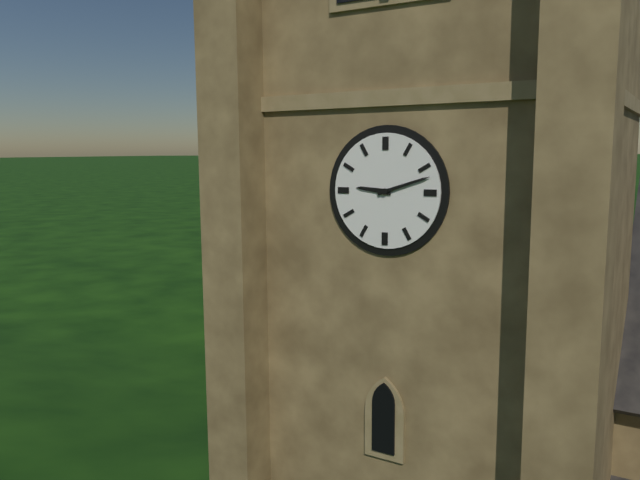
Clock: 9.12
